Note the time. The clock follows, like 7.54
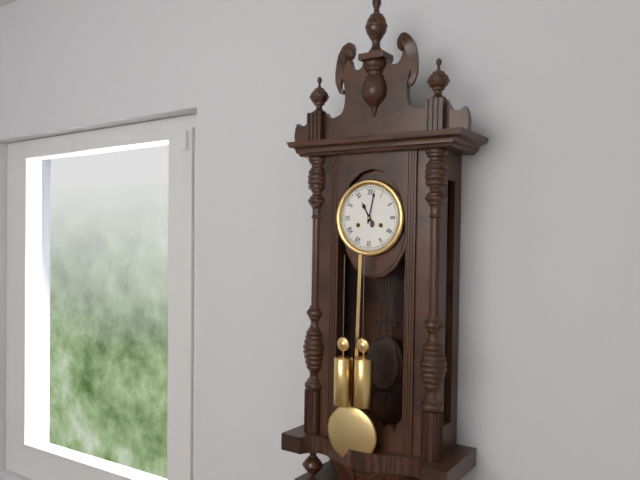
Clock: 11.02
